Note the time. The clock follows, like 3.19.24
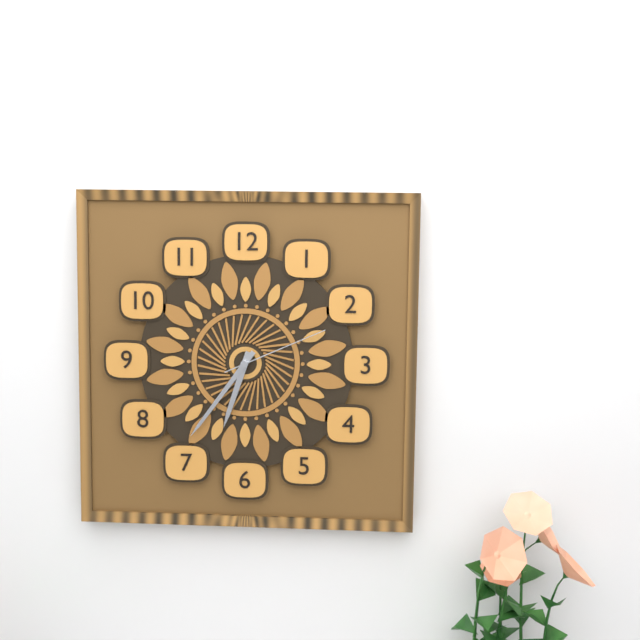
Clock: 6.36.11
